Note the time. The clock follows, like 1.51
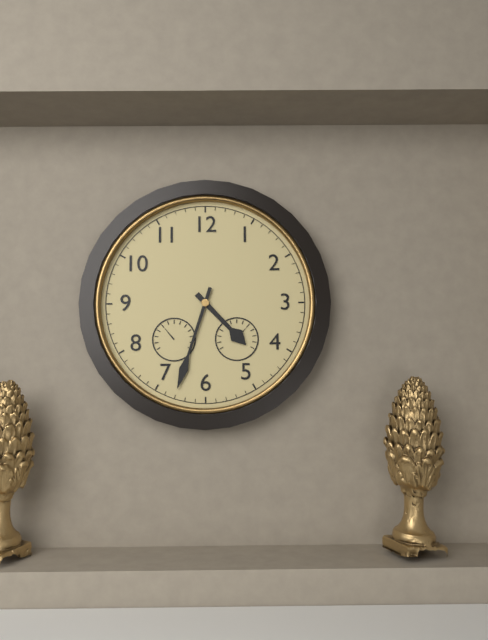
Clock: 4.33
